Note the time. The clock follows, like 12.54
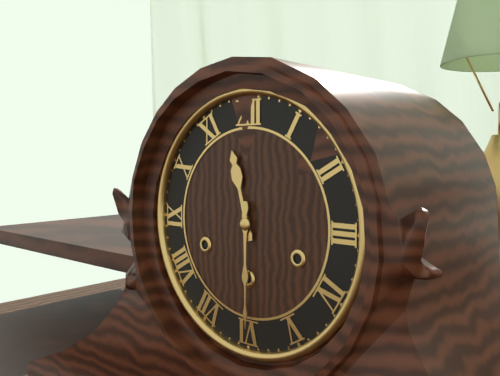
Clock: 11.30
